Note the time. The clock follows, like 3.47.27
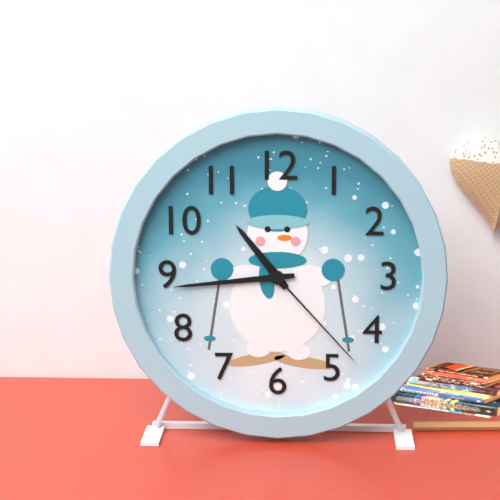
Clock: 10.44.23
